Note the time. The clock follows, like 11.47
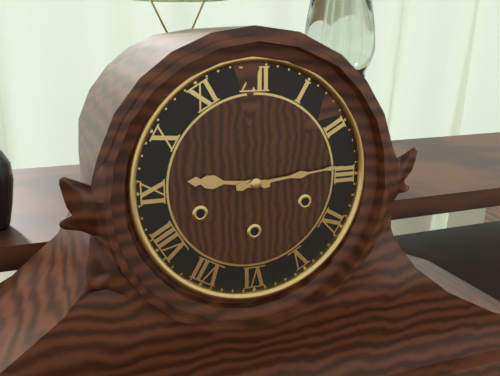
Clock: 9.14
